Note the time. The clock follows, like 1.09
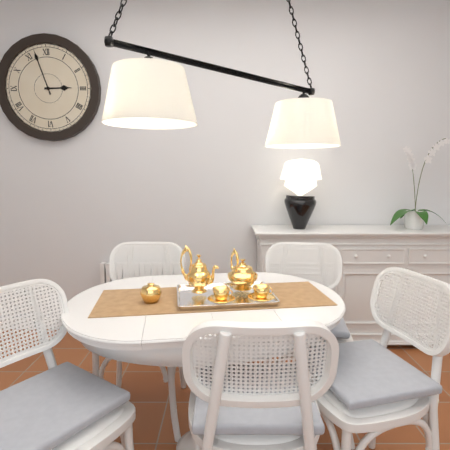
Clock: 2.57
